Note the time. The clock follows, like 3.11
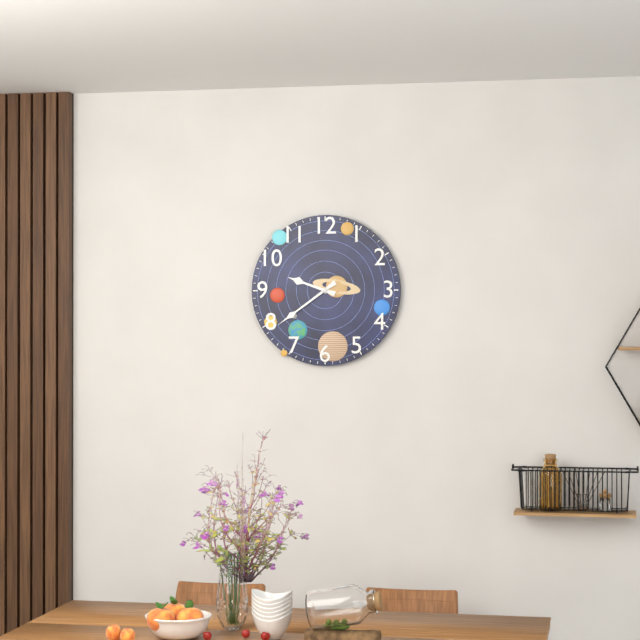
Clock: 9.39
